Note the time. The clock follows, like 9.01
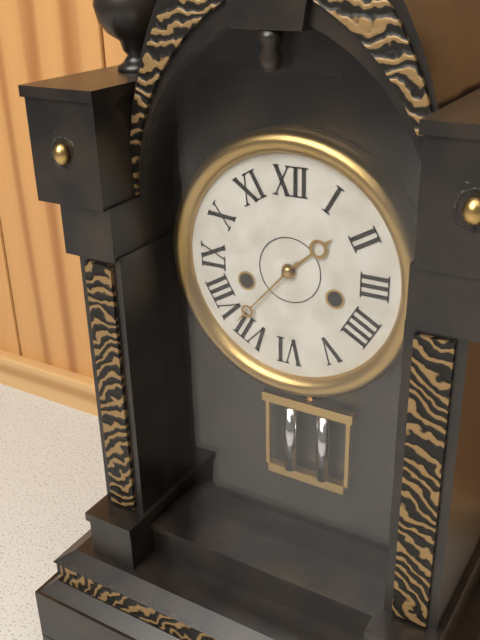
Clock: 1.37
